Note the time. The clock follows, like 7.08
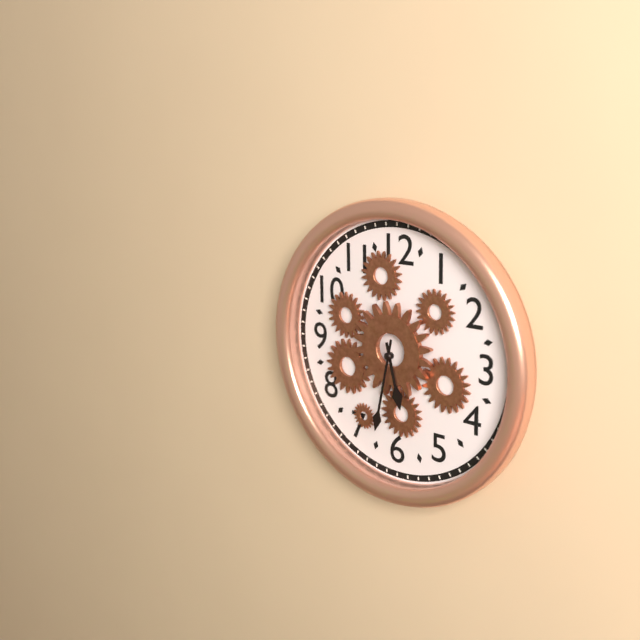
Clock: 5.32
